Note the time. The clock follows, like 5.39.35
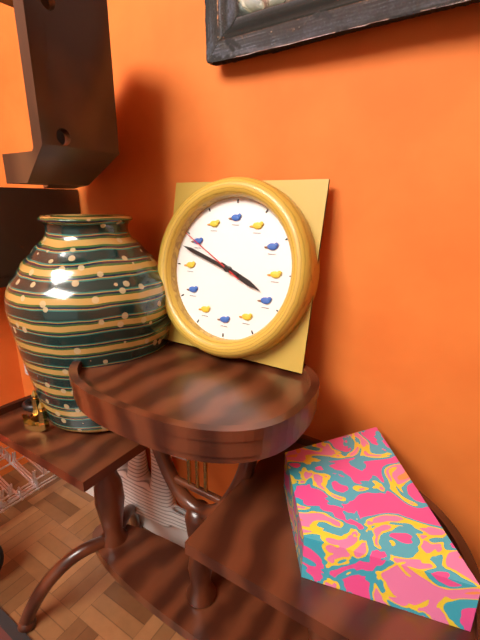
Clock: 3.48.50
